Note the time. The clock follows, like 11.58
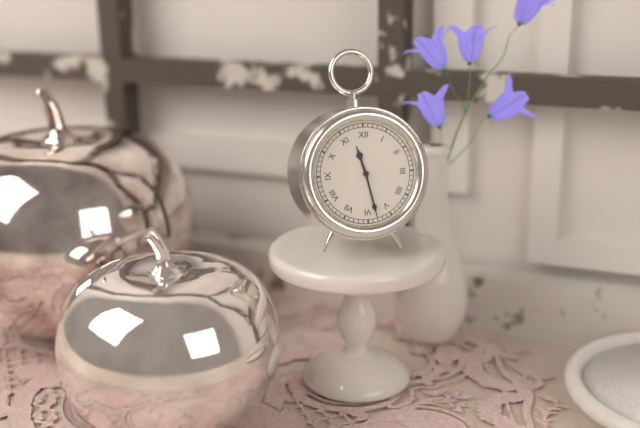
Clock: 11.28
